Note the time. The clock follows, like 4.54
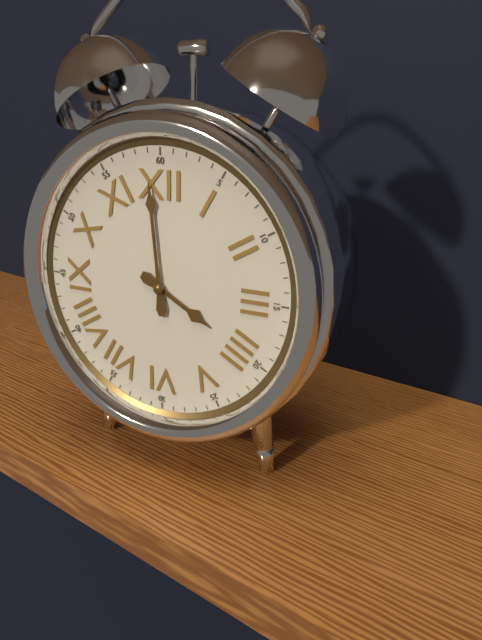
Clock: 3.59
